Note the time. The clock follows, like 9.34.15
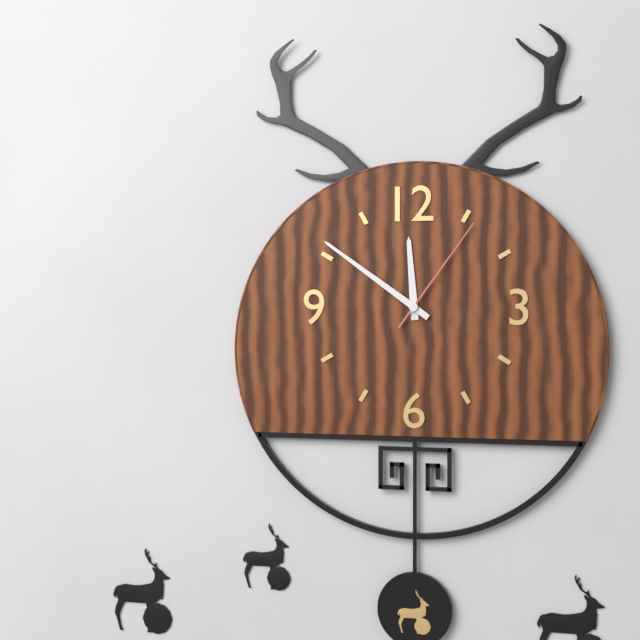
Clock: 11.51.06
